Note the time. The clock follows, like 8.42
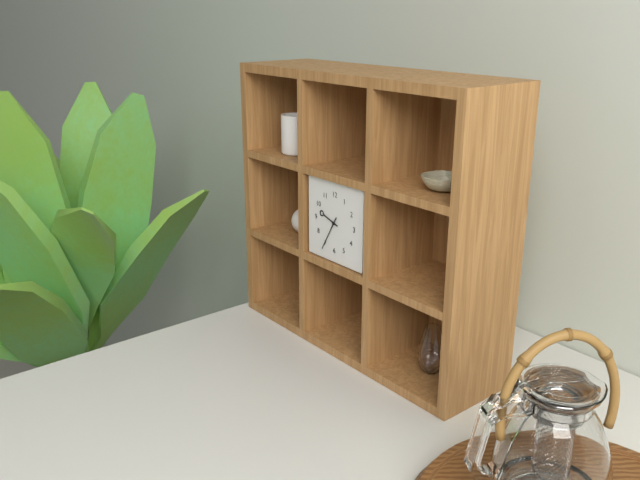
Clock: 9.35
